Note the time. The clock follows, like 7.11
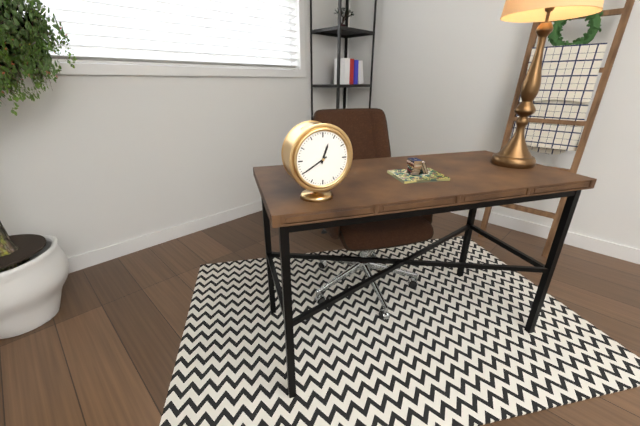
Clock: 12.40
